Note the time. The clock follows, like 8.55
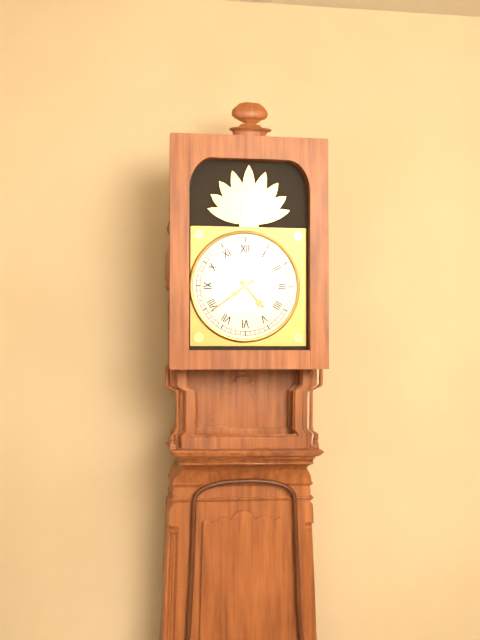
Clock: 4.39
